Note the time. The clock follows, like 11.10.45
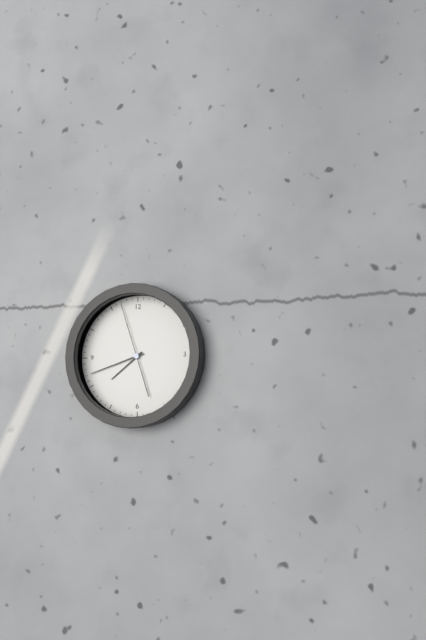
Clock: 7.42.57
